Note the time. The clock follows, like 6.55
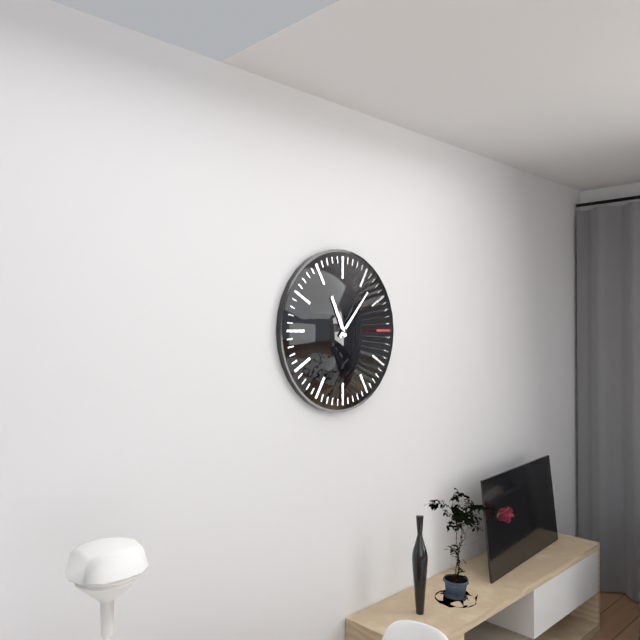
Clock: 11.07
